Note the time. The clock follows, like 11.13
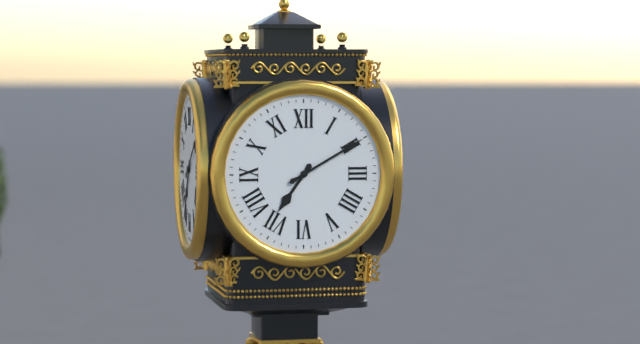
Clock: 7.10
